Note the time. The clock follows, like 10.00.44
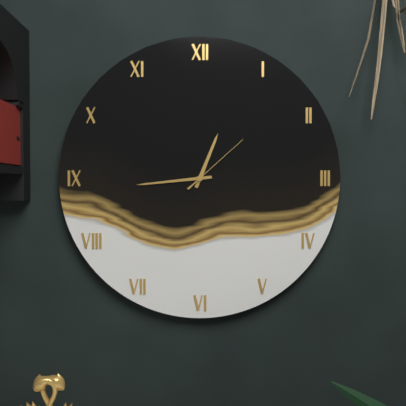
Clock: 12.44.08
